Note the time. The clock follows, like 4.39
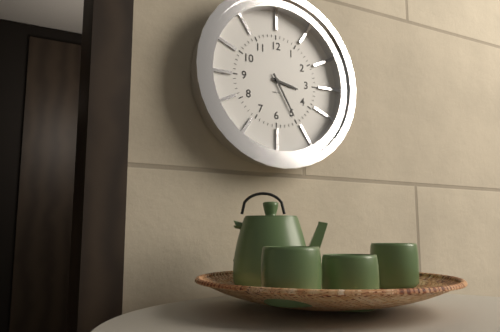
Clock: 3.25
